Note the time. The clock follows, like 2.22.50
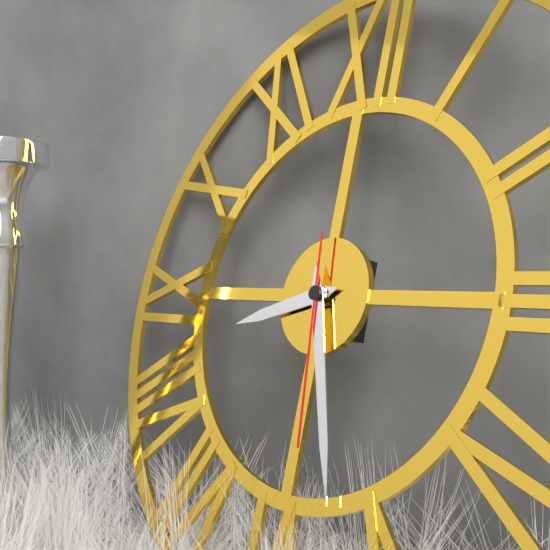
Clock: 8.27.29
